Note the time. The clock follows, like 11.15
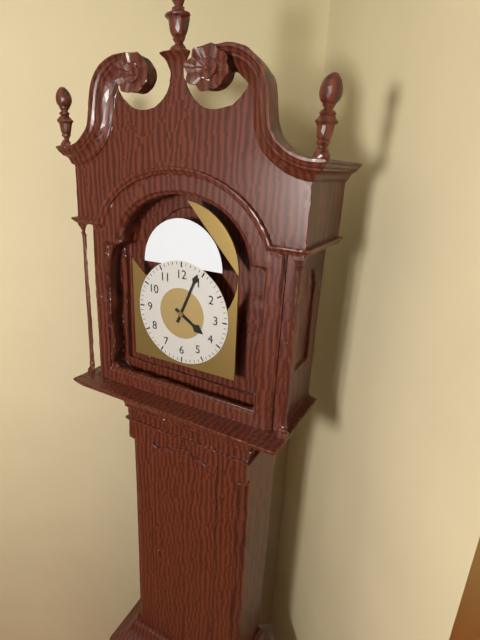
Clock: 4.04
